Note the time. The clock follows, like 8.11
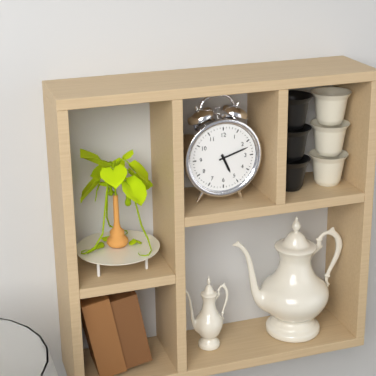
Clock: 5.12
